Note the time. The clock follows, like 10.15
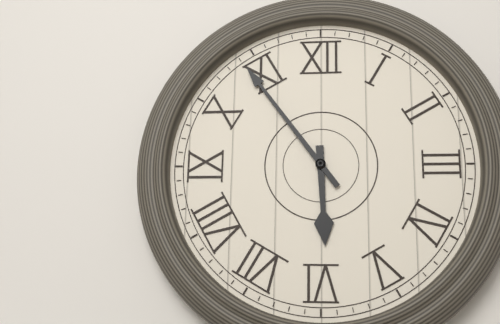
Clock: 5.54
